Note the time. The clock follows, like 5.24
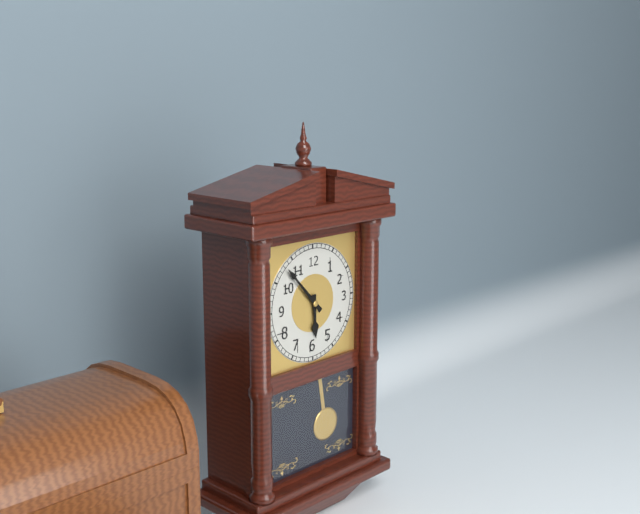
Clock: 5.53
